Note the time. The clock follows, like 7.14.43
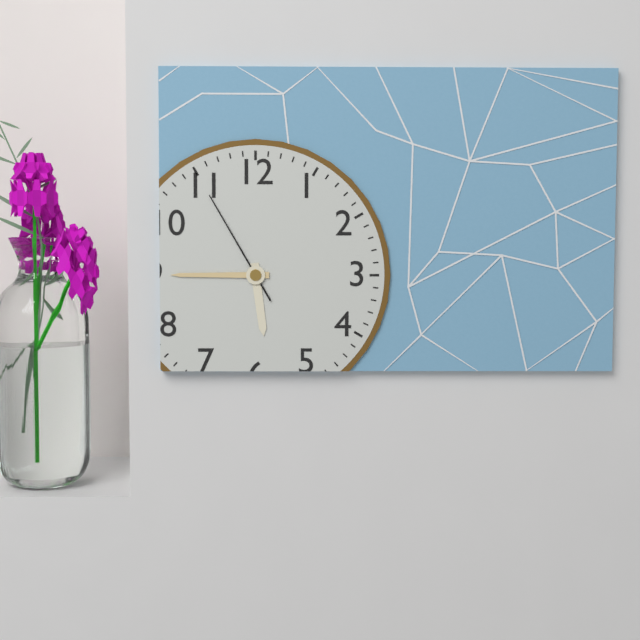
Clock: 5.45.55
